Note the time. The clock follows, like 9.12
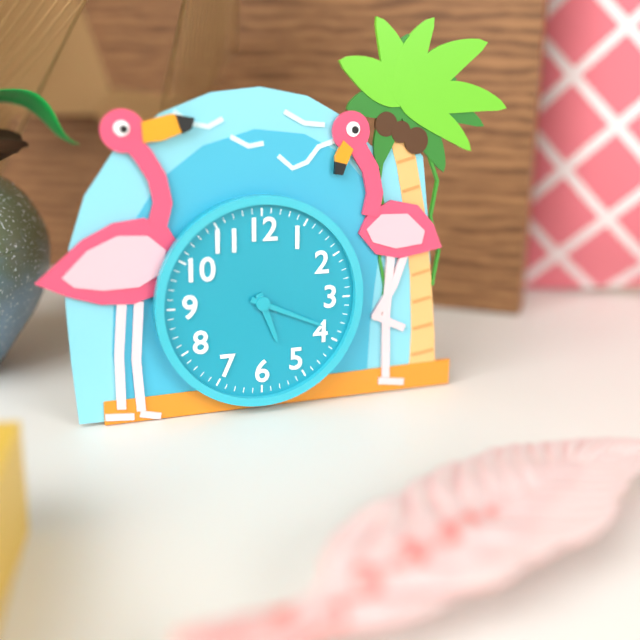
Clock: 5.19
